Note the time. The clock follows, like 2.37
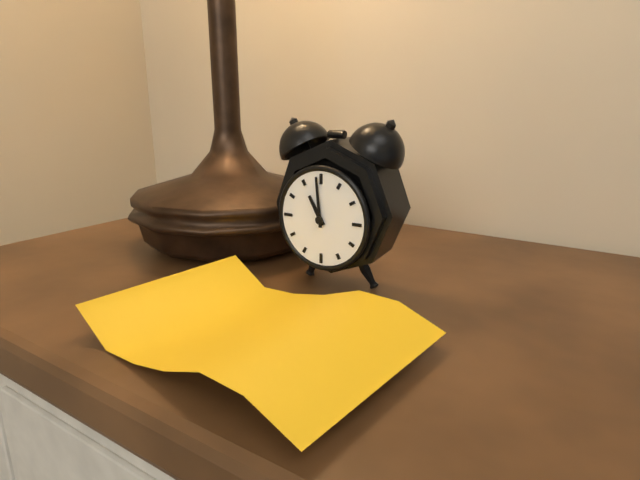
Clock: 10.59
